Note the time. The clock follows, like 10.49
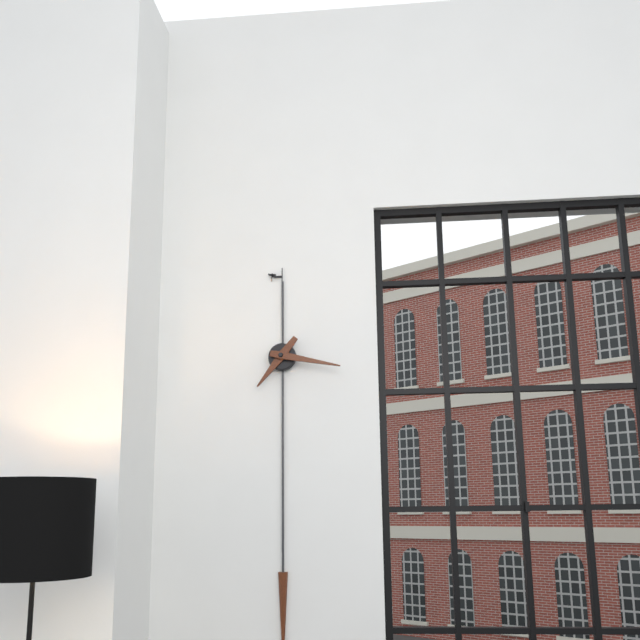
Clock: 7.17
